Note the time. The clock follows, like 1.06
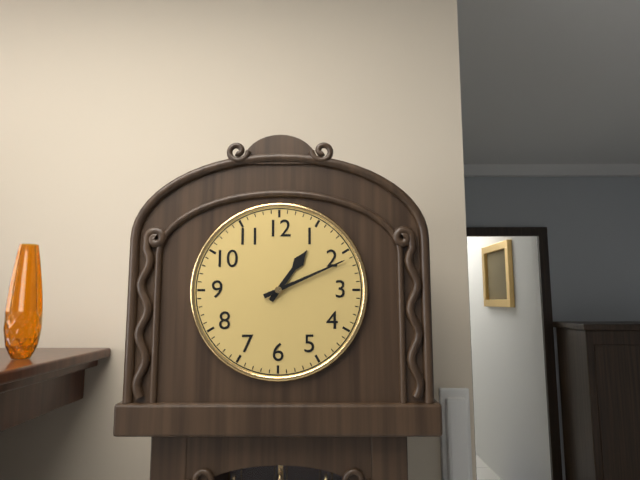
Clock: 1.11
